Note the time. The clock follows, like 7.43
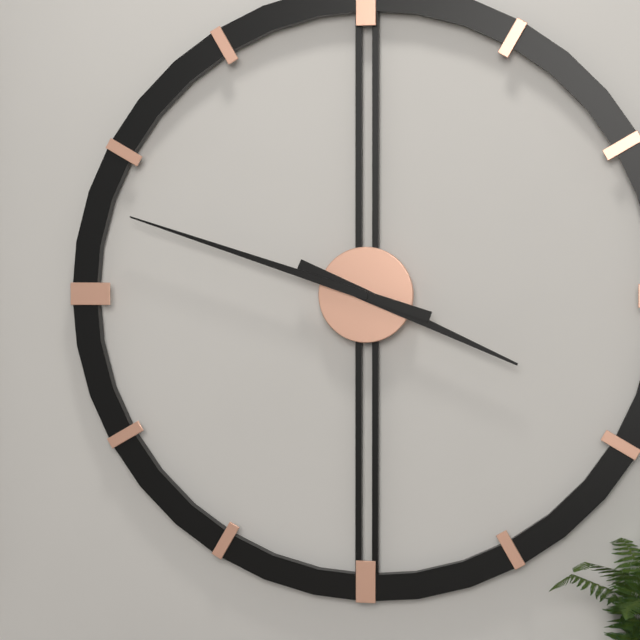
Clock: 3.48
